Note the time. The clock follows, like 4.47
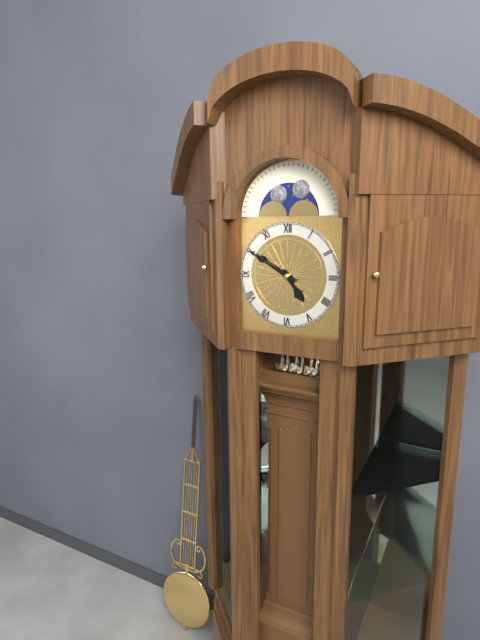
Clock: 4.50
